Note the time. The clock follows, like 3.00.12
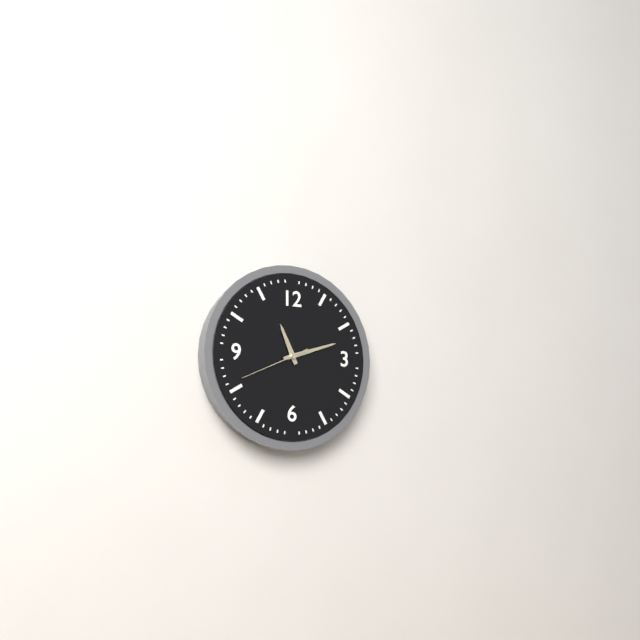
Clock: 11.12.41
